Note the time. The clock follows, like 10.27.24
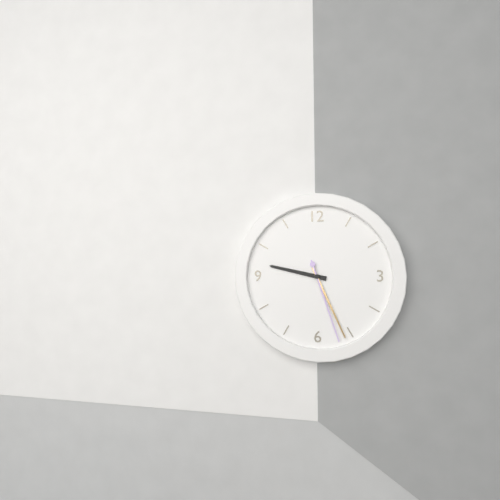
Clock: 9.26.27
